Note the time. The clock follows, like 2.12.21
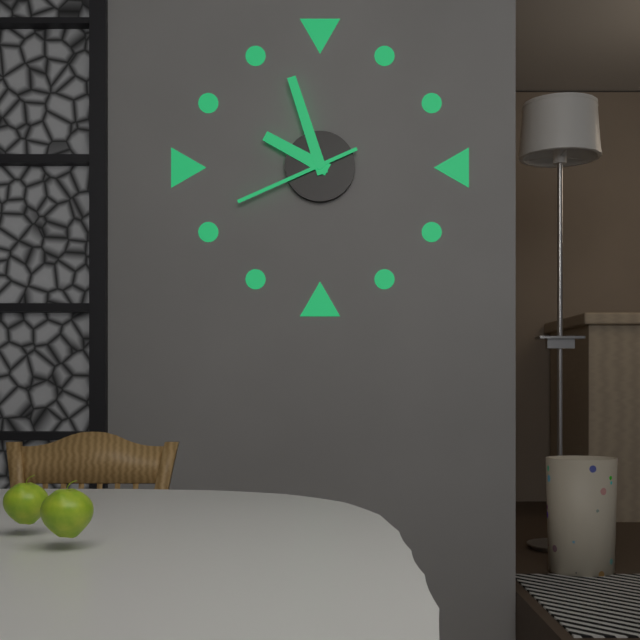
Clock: 9.57.41
